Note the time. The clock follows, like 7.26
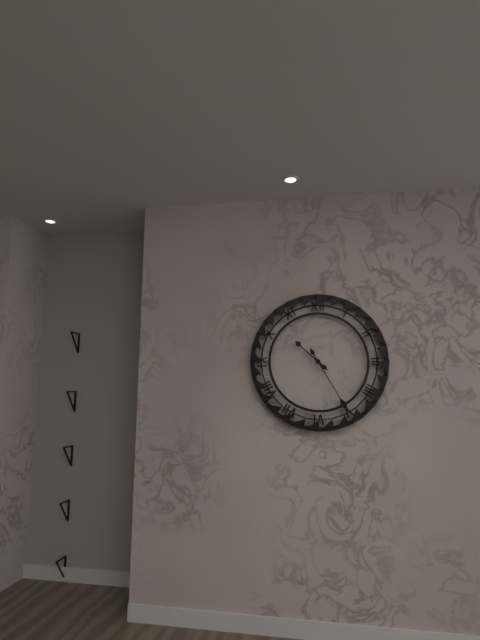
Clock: 10.25
